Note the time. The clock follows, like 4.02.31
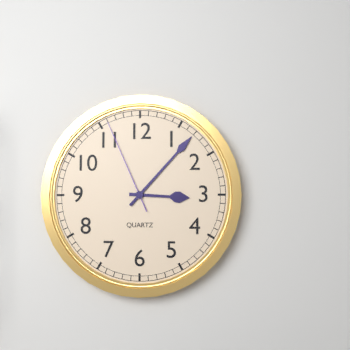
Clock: 3.07.56
